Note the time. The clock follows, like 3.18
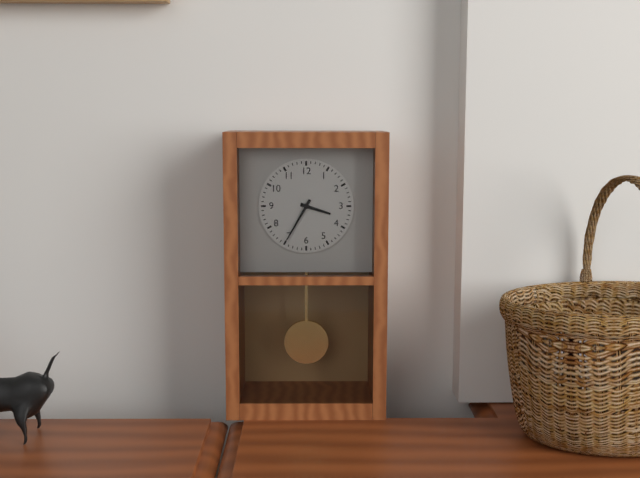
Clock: 3.35
